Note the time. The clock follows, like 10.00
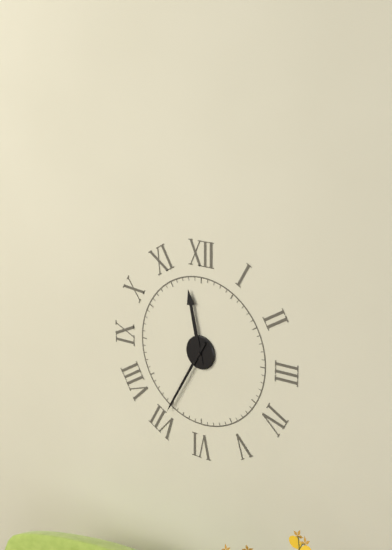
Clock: 11.35
